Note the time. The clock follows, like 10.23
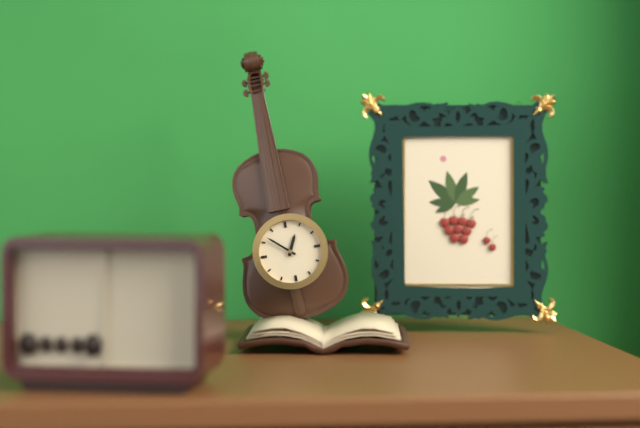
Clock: 12.52
